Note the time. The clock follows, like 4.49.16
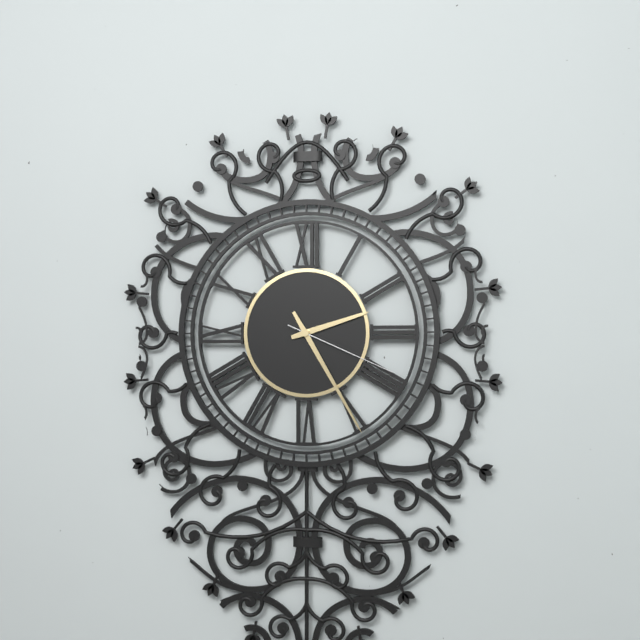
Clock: 2.25.19
